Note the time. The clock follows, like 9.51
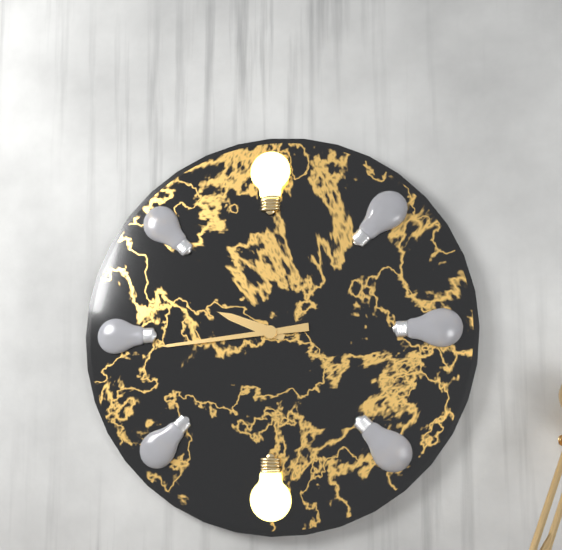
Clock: 9.44
